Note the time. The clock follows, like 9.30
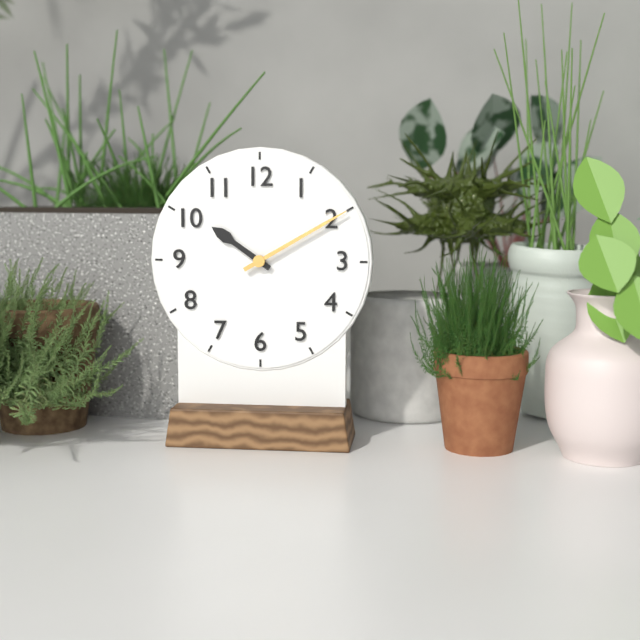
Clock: 10.10
